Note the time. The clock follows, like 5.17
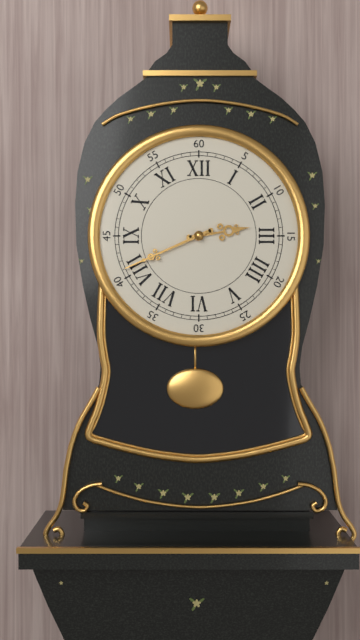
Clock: 2.41
